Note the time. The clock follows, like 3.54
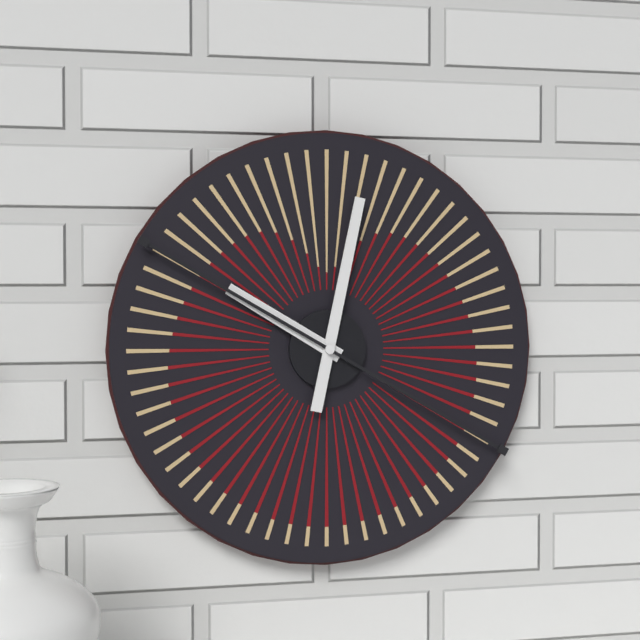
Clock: 10.02
